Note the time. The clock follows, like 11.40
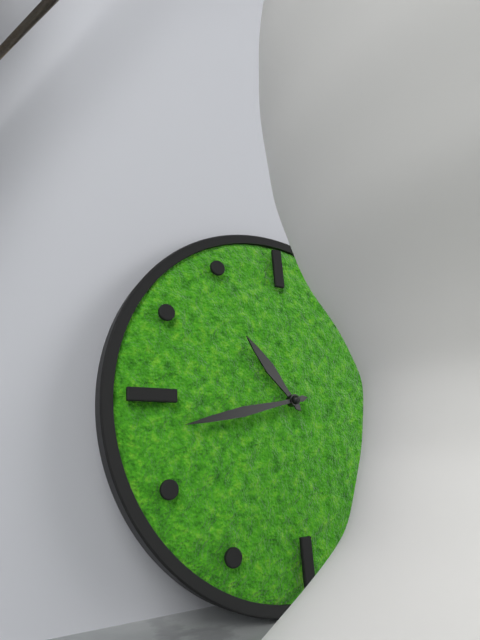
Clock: 10.43
